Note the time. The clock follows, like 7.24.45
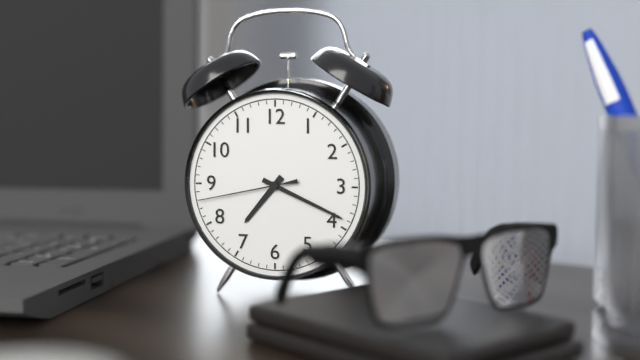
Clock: 7.19.43
